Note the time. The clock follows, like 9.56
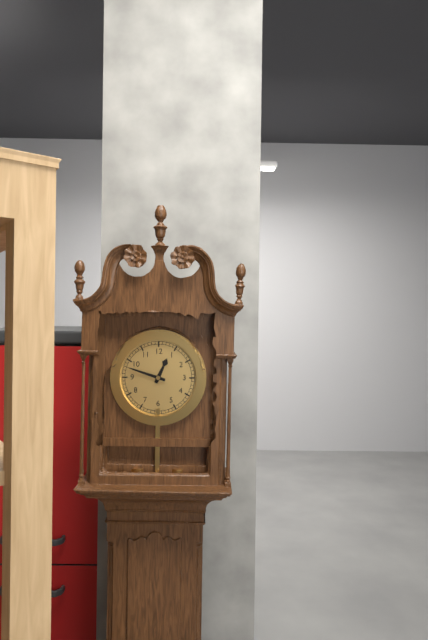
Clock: 12.48
